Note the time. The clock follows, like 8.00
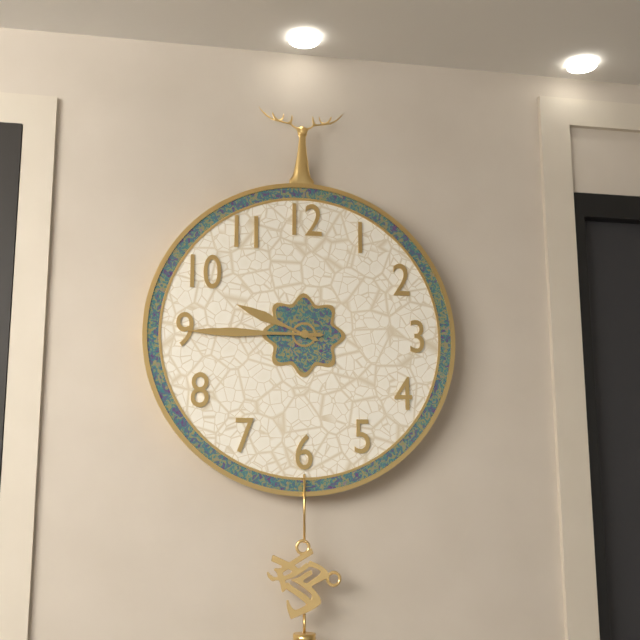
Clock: 9.45
